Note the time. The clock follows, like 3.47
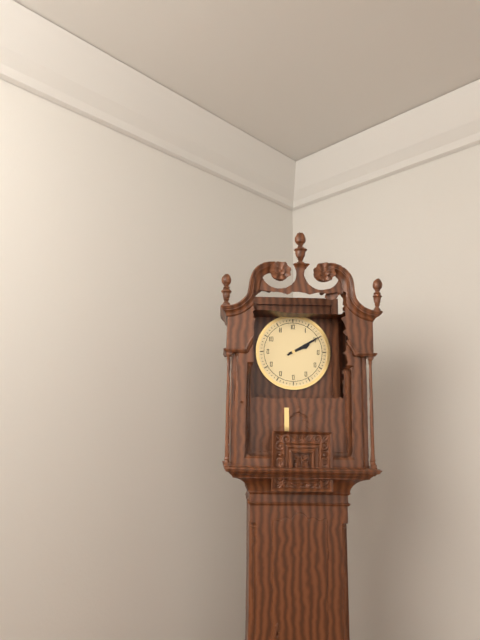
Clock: 2.10
